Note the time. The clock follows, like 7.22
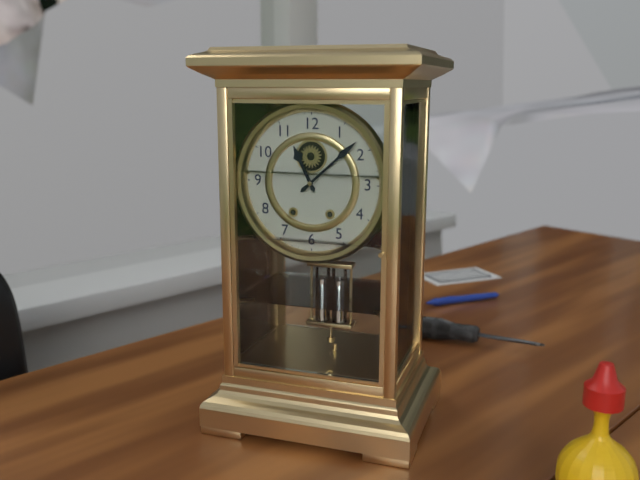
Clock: 11.08
